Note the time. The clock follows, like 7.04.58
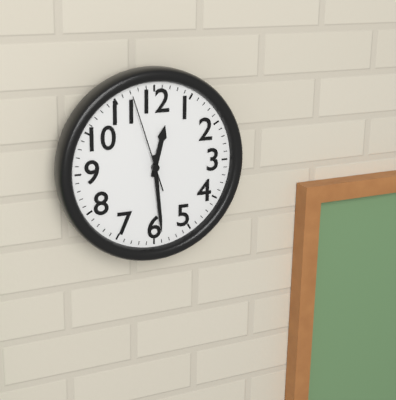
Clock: 12.29.57
